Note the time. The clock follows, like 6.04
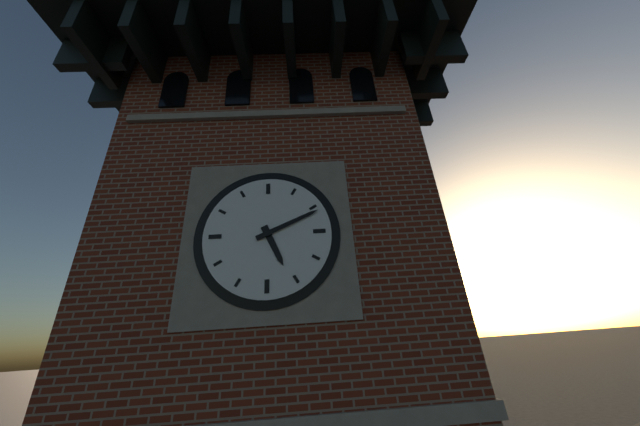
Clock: 5.11
